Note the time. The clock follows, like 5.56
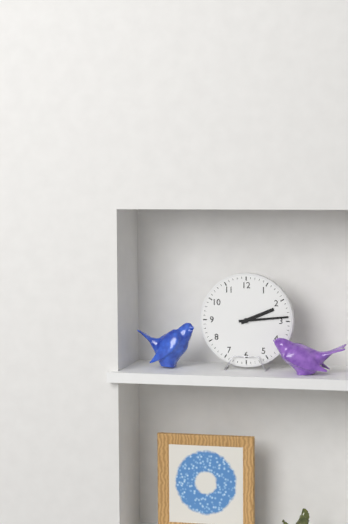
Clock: 2.14
